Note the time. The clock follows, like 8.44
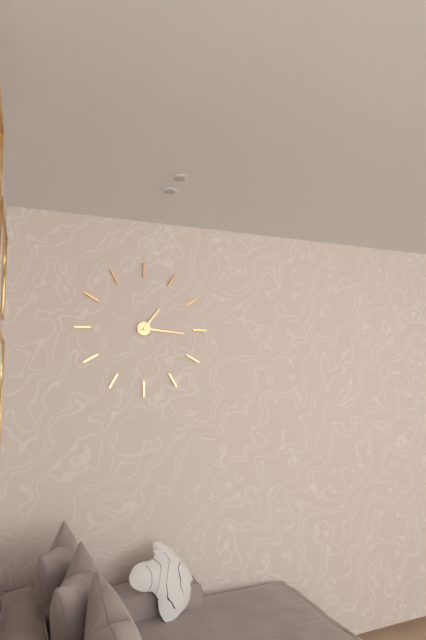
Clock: 1.16
